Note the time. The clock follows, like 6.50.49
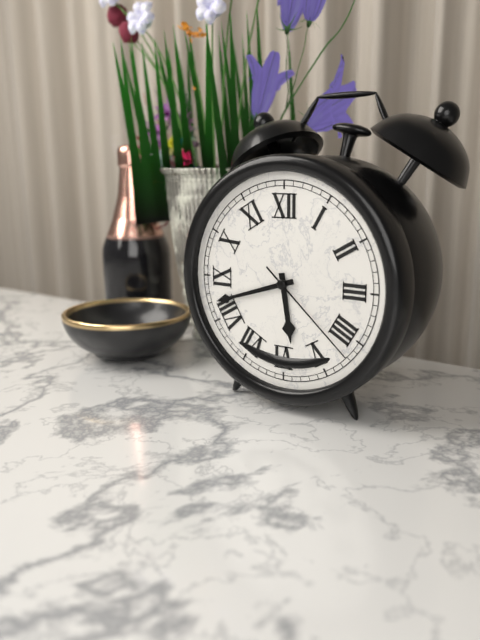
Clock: 5.42.22
